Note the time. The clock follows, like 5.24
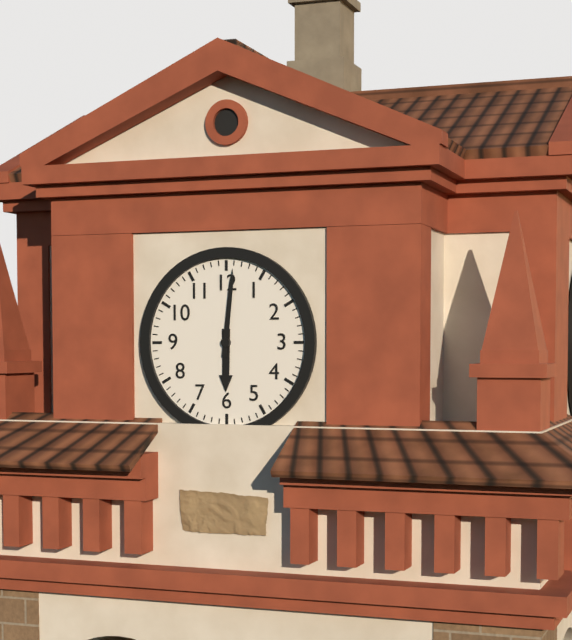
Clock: 6.01
